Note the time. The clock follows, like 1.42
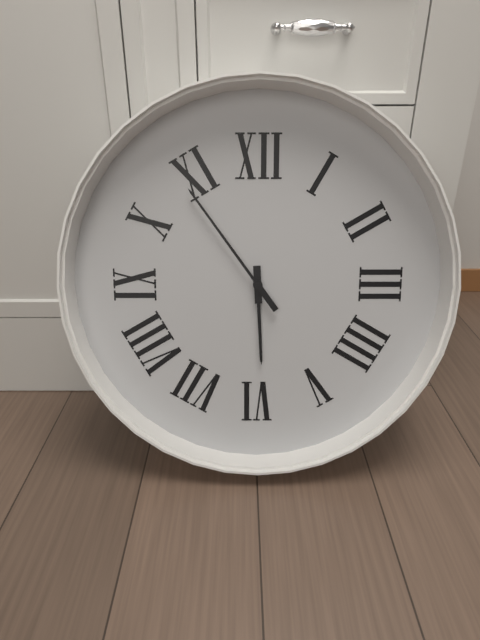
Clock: 5.54
